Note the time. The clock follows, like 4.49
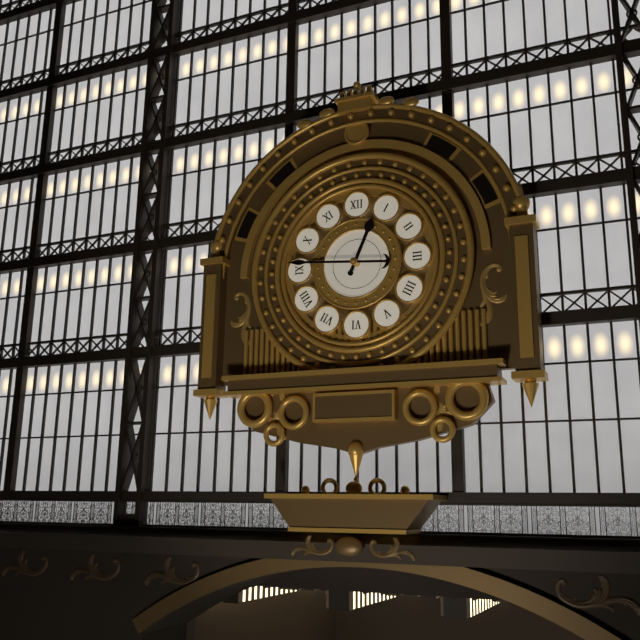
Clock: 12.46
